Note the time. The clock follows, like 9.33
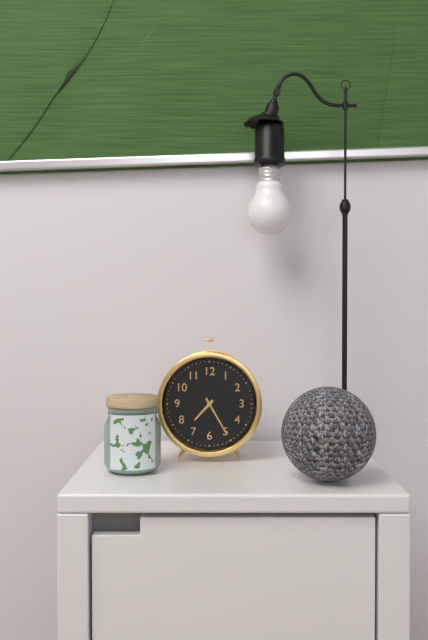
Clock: 7.25
